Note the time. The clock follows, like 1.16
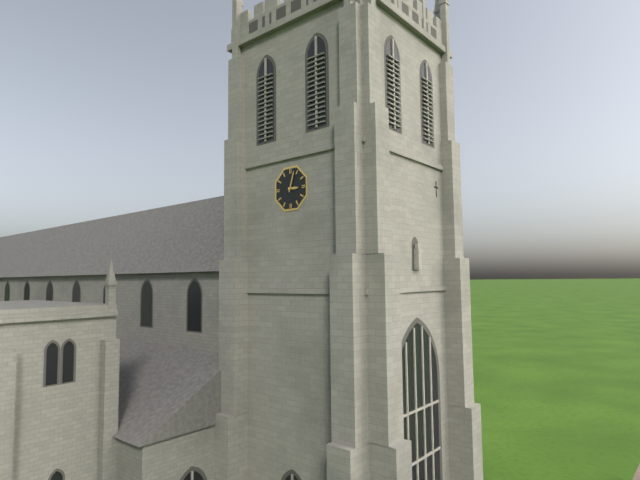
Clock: 3.03
